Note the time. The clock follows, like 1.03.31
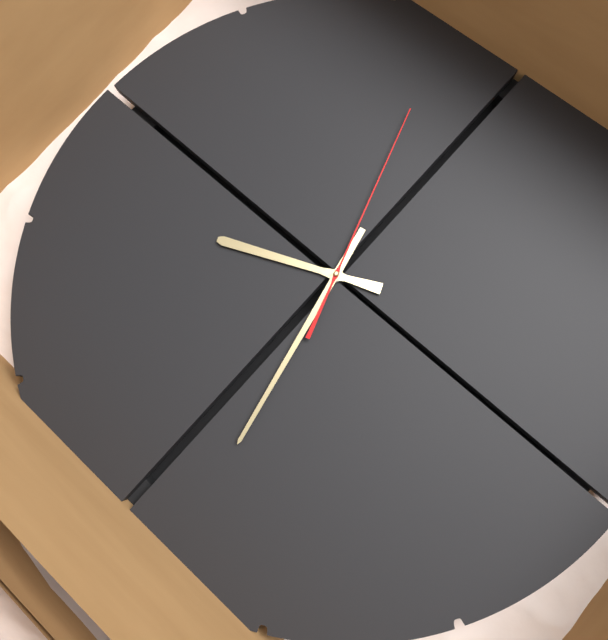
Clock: 5.13.42
